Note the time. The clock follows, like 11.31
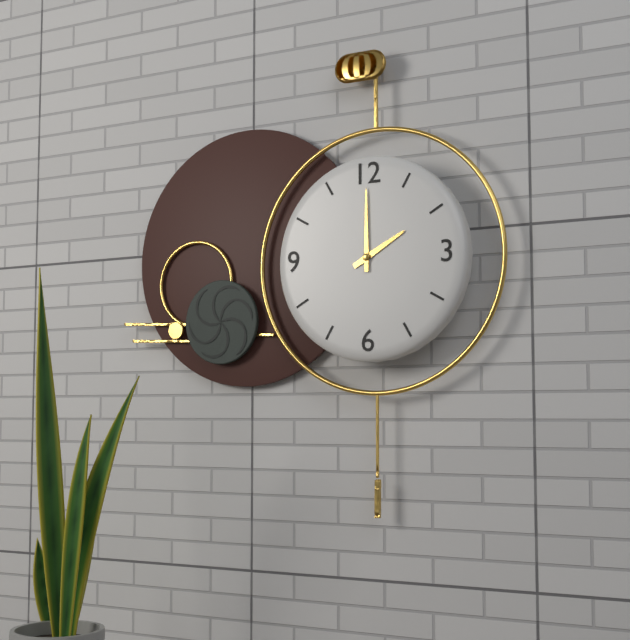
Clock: 2.00
